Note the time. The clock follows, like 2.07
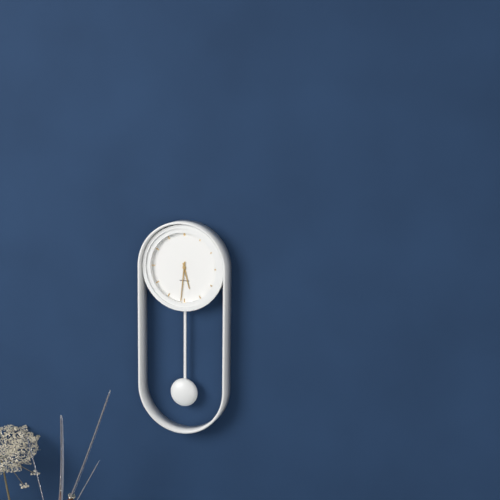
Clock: 5.31
